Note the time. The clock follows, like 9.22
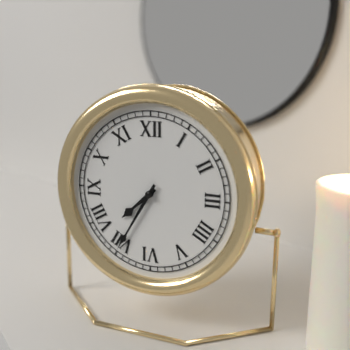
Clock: 7.35
